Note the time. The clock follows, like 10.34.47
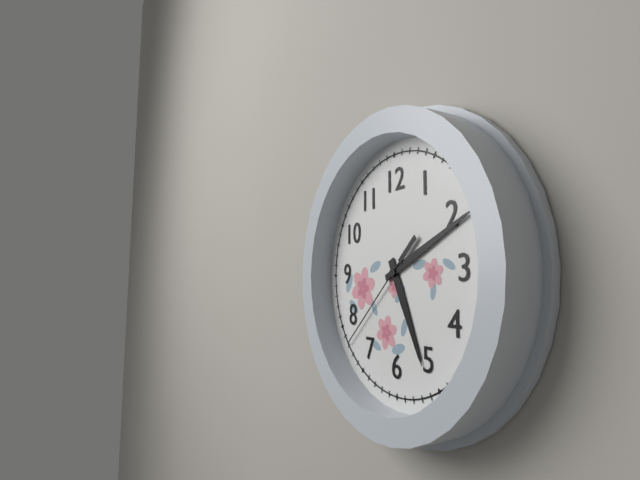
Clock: 5.11.38
